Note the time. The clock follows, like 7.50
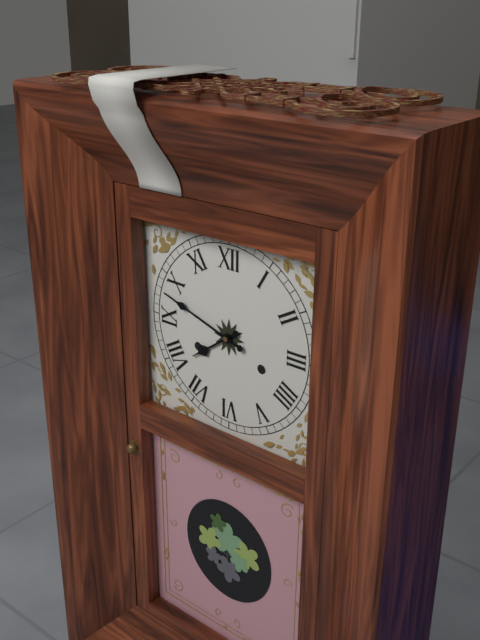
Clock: 7.48
